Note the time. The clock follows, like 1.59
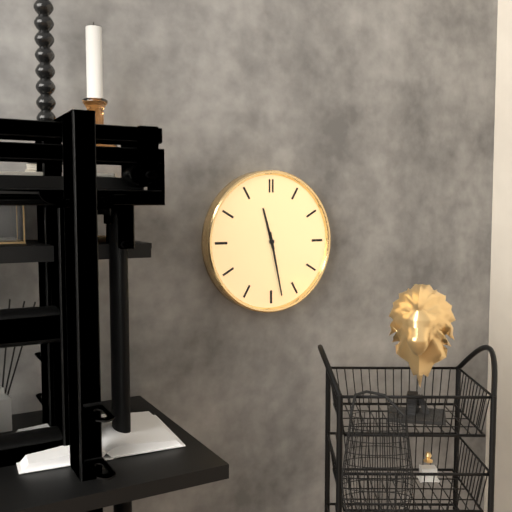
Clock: 11.28
